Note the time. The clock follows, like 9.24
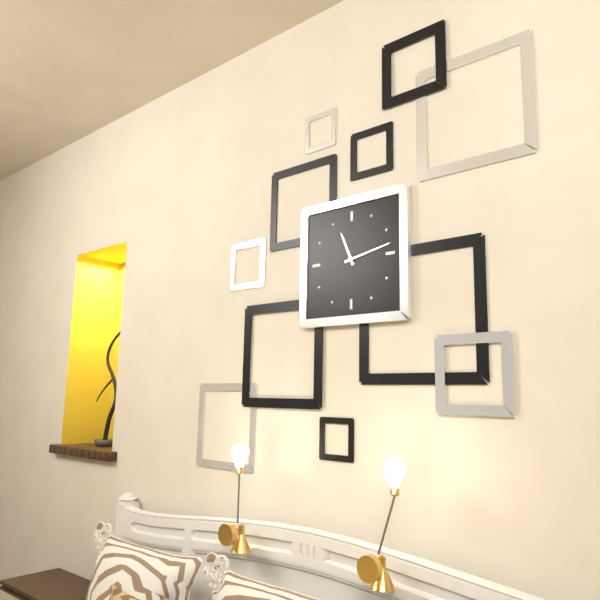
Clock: 11.13
